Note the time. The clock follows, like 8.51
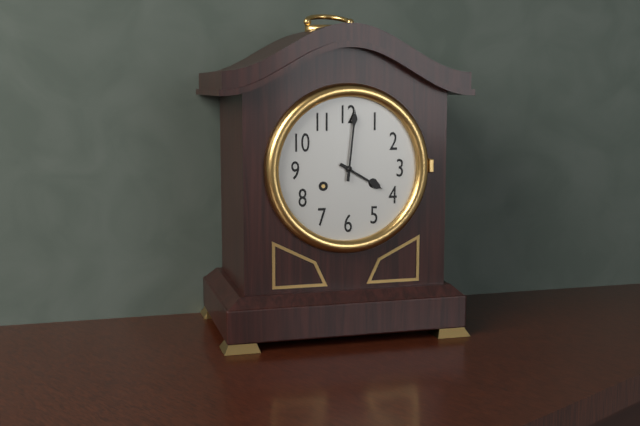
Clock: 4.01
